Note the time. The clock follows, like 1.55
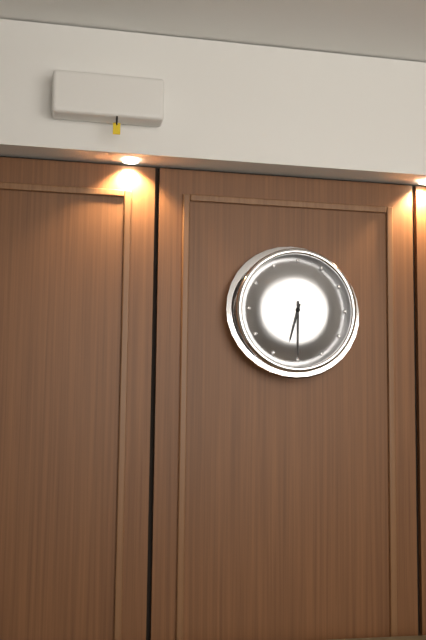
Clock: 6.30
